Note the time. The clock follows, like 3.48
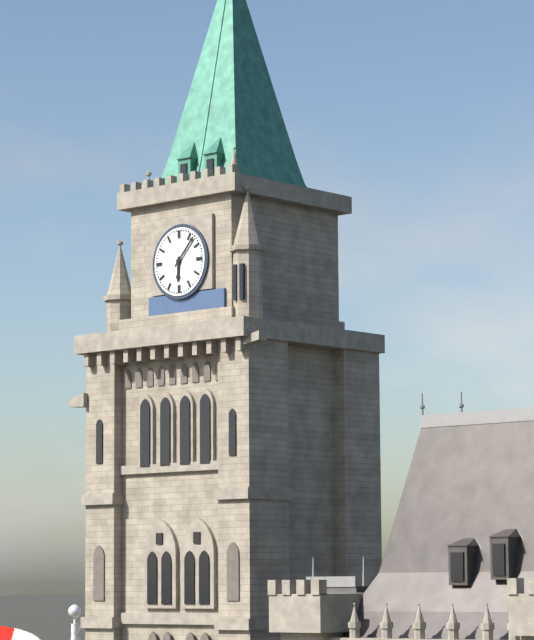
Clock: 6.07
